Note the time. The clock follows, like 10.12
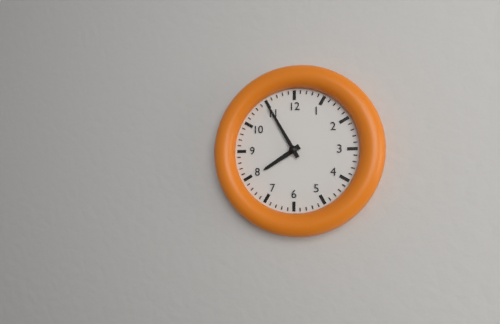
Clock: 7.55
